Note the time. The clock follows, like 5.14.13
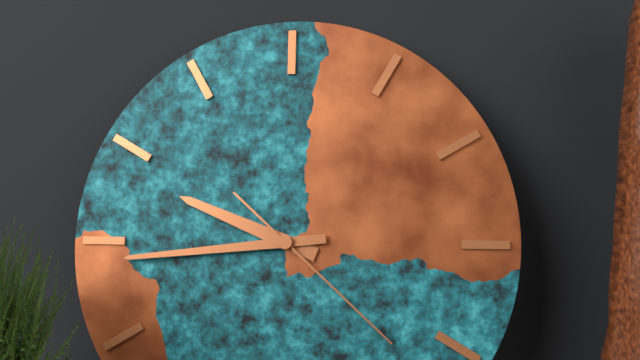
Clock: 9.44.22
